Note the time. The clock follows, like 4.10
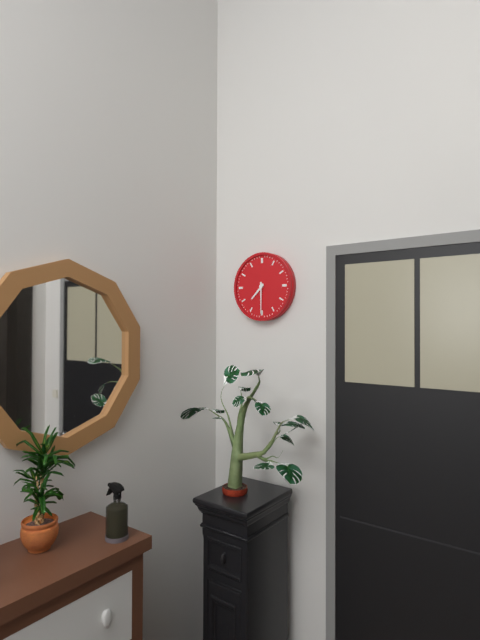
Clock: 7.30
